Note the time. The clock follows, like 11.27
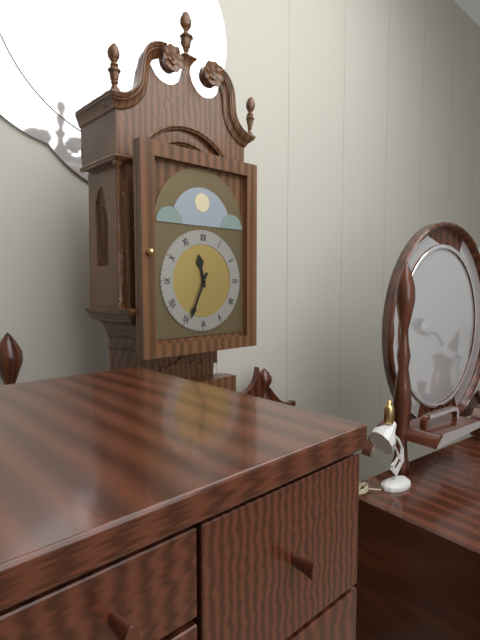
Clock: 11.34
